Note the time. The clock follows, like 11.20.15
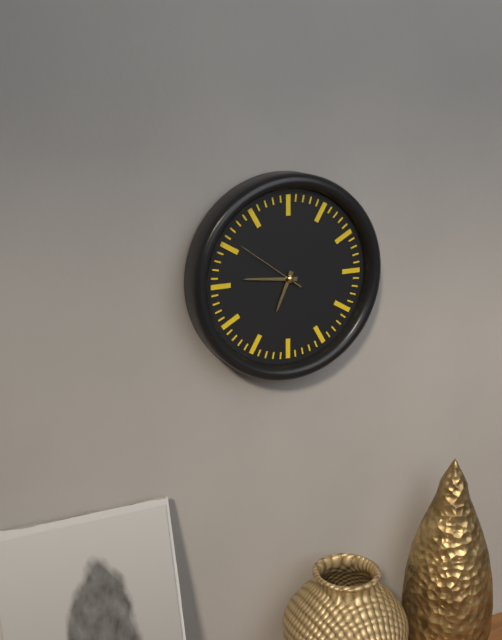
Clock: 6.46.51
